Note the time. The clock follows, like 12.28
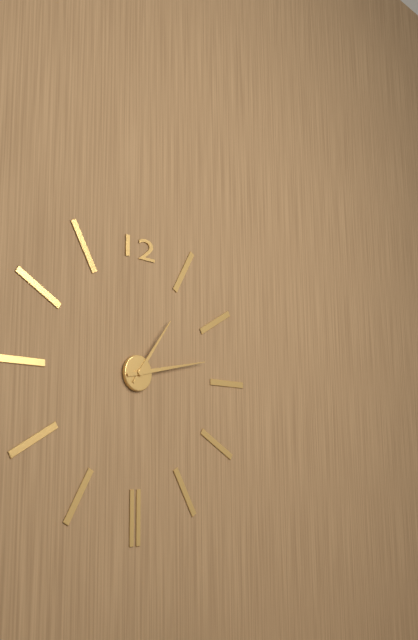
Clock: 1.13
